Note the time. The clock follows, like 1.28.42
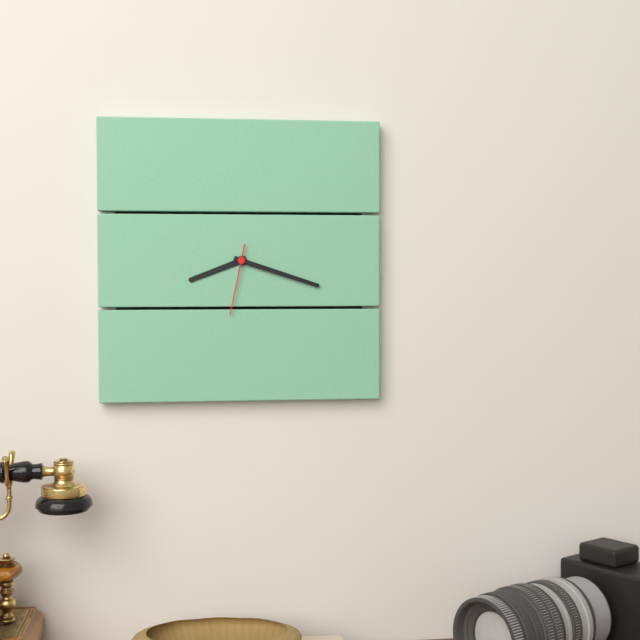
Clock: 8.18.32
